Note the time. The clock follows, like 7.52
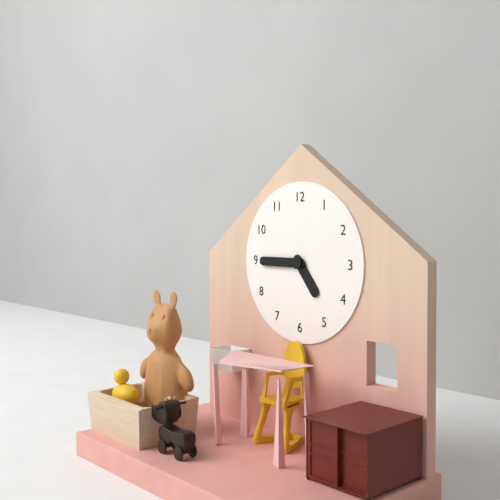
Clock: 4.45
